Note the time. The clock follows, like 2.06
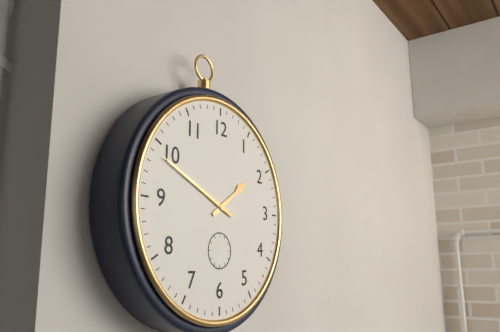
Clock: 1.49
